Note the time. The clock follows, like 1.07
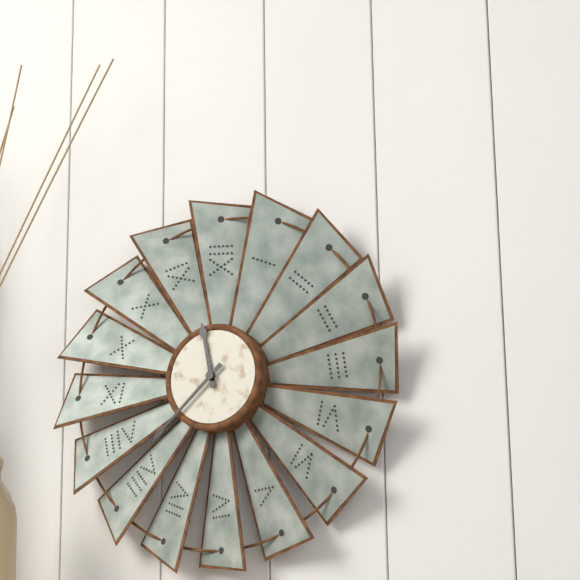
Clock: 11.38
